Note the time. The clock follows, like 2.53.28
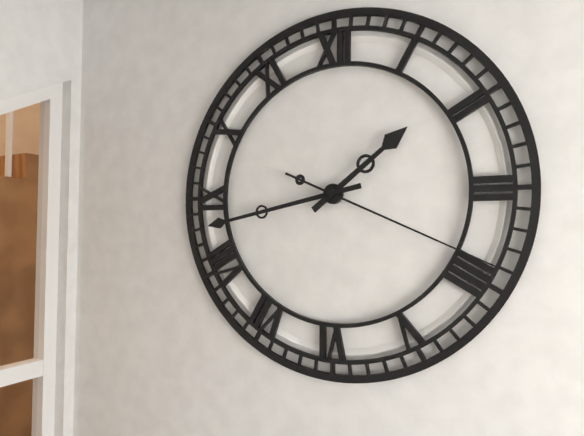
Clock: 1.43.19
